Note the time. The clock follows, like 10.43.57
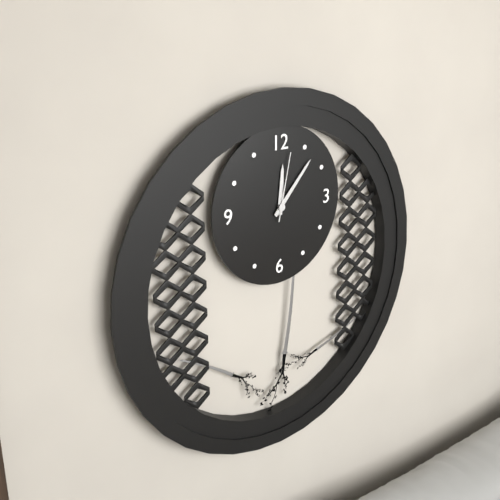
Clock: 12.07.02
